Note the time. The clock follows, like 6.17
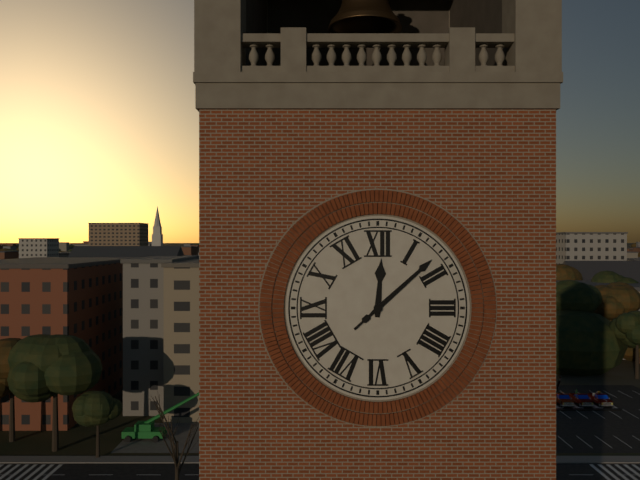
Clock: 12.08
